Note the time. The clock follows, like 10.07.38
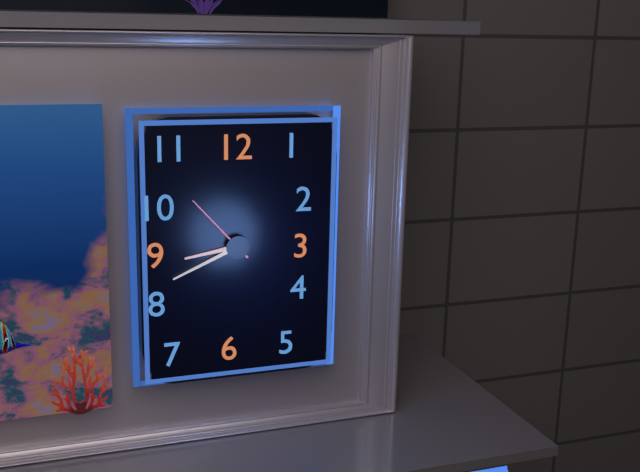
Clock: 8.41.53
